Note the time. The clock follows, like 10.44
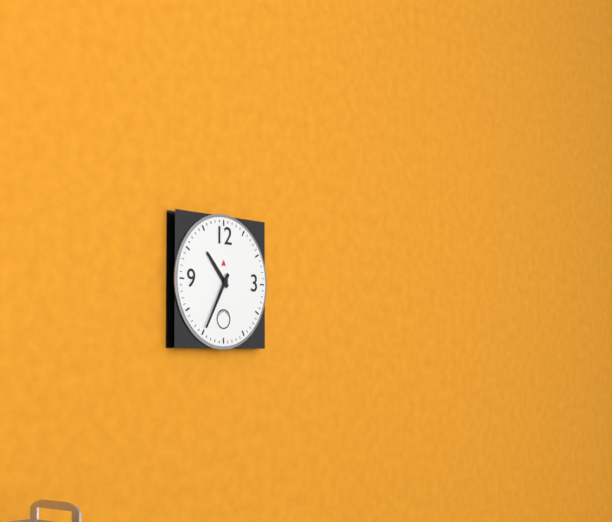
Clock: 10.35
